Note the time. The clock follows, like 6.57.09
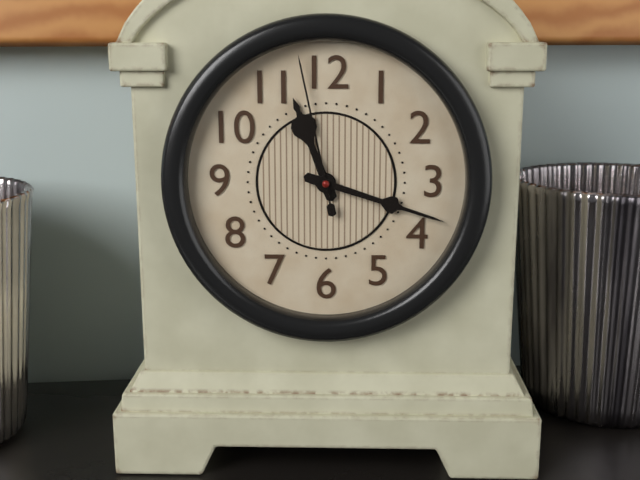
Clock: 11.18.58
